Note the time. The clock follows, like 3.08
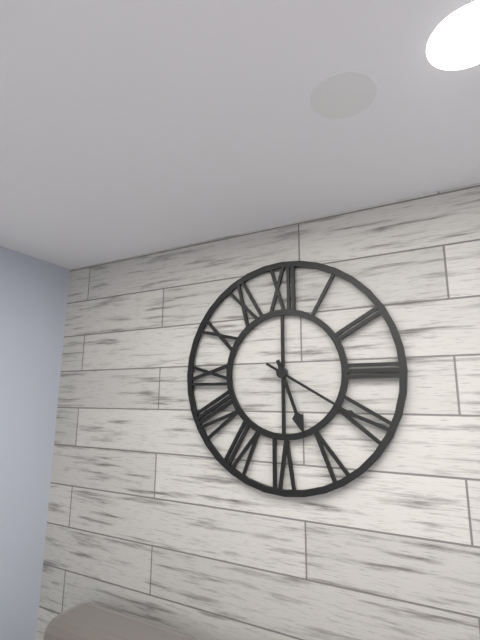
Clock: 5.20
